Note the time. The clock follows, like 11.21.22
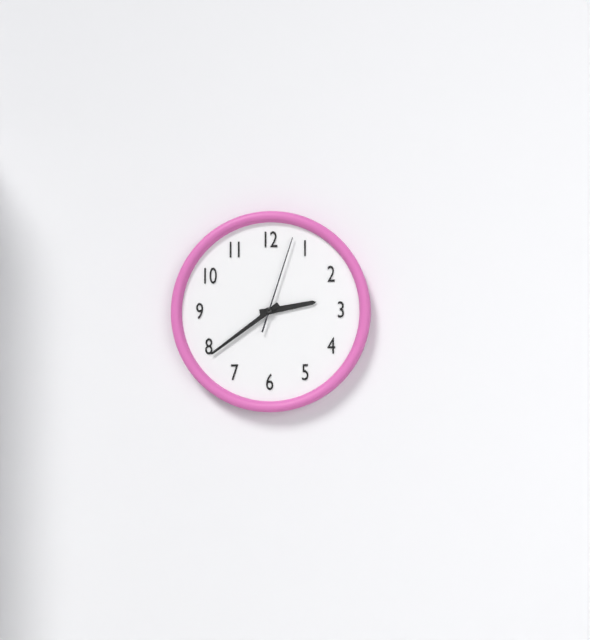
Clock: 2.39.03
